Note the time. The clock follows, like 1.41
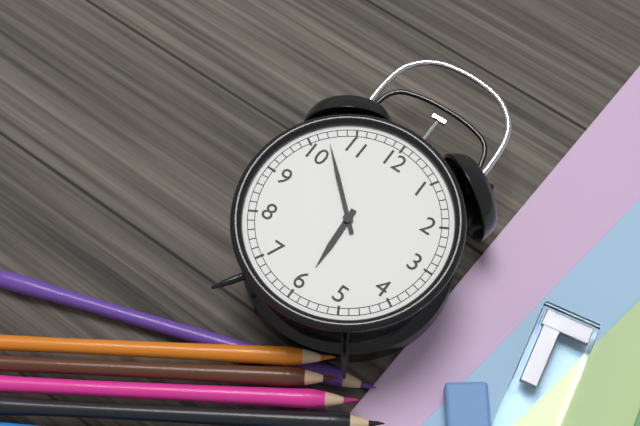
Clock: 5.52
